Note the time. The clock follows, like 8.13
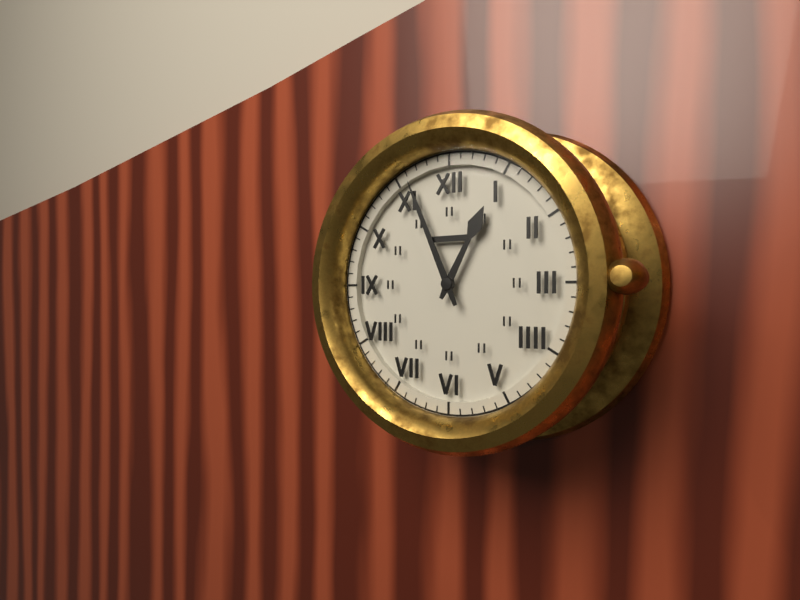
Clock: 12.56
